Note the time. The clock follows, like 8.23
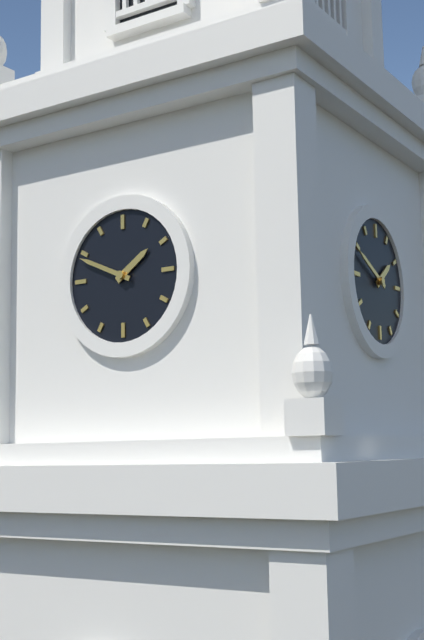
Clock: 1.49
